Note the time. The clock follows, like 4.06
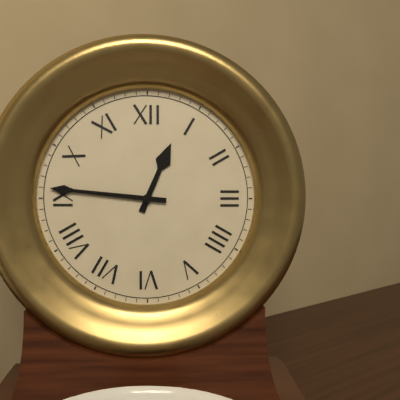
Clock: 12.46
